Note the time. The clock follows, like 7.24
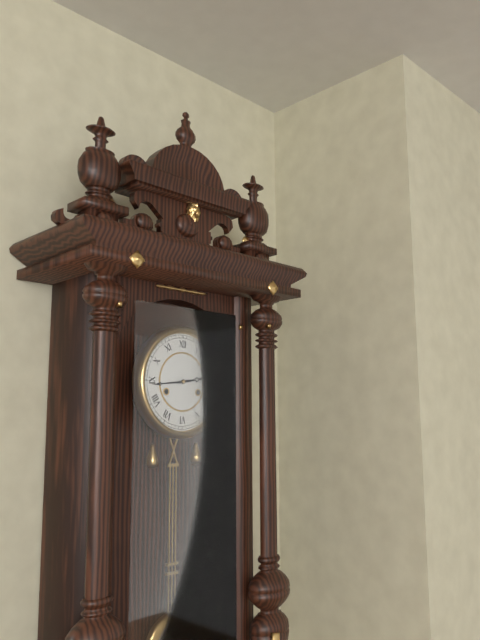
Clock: 2.44
